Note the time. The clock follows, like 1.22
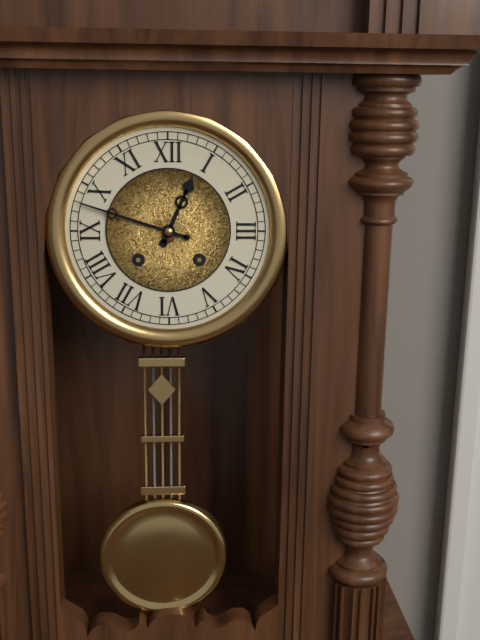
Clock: 12.48
